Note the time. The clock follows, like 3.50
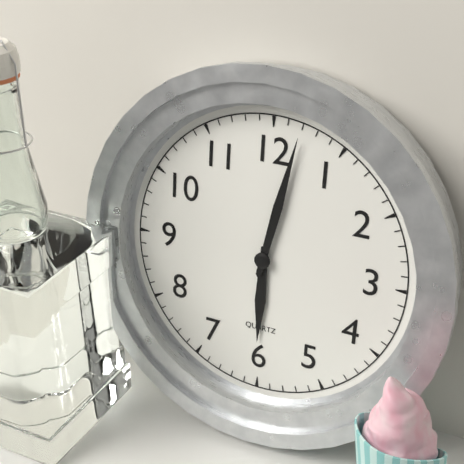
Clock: 6.02
